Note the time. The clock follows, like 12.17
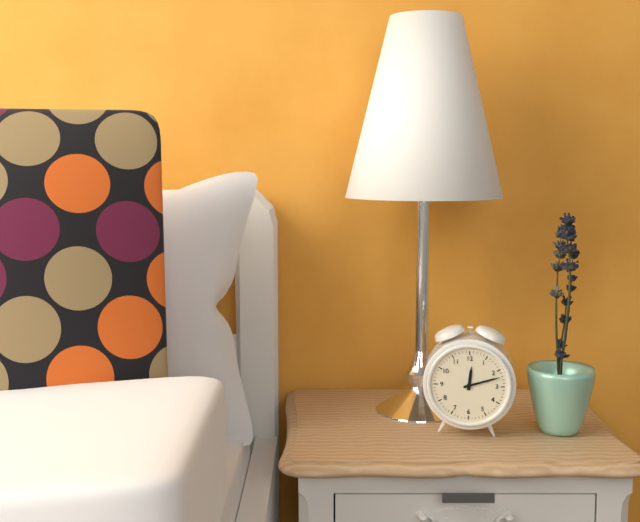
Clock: 12.12
